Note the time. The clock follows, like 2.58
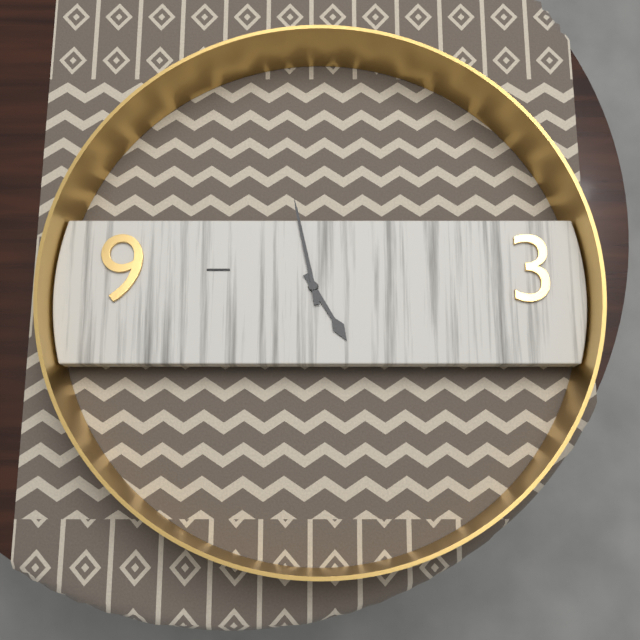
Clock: 4.58
